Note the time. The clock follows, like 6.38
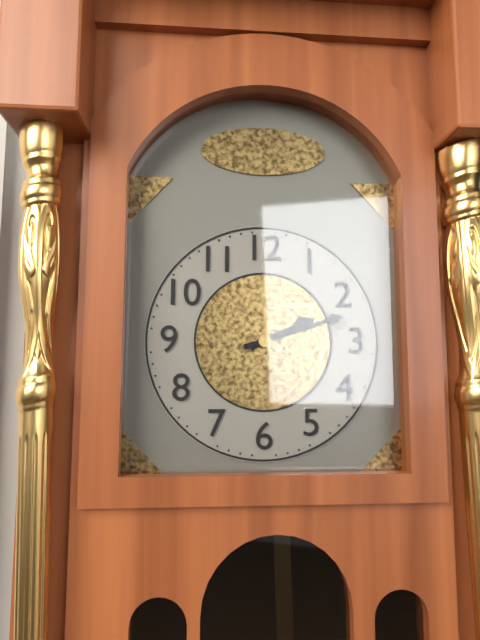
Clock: 2.12
